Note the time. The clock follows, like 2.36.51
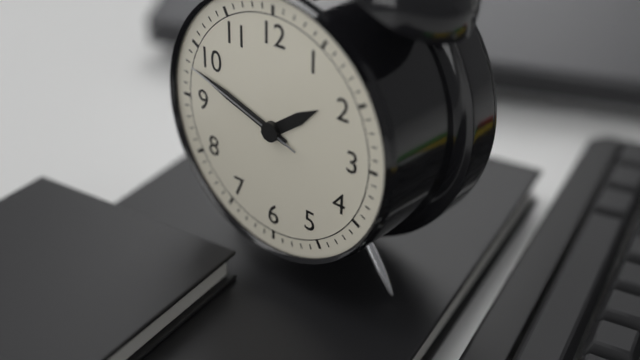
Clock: 1.48.48
